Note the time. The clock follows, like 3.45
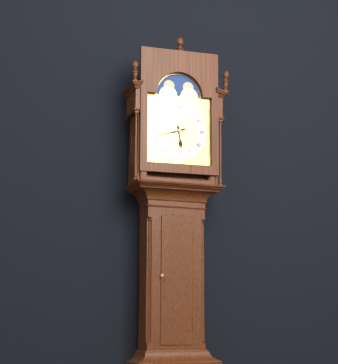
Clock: 5.42
